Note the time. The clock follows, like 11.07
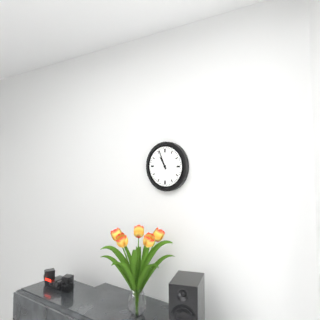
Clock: 10.56
